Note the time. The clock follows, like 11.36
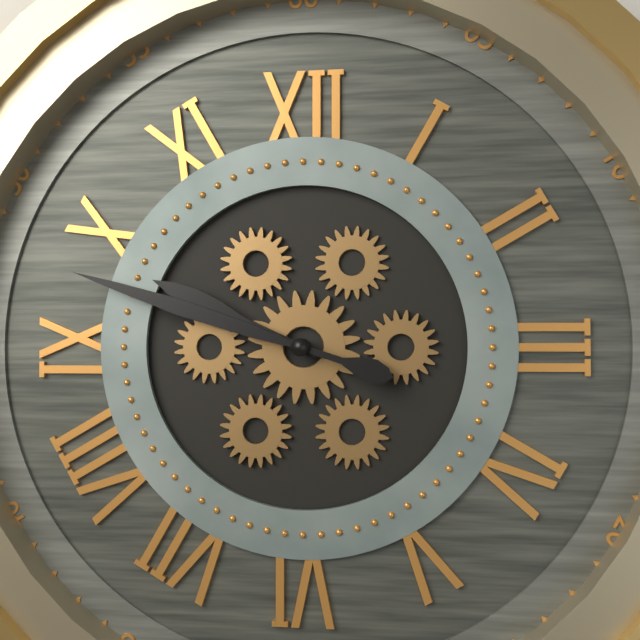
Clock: 9.48
